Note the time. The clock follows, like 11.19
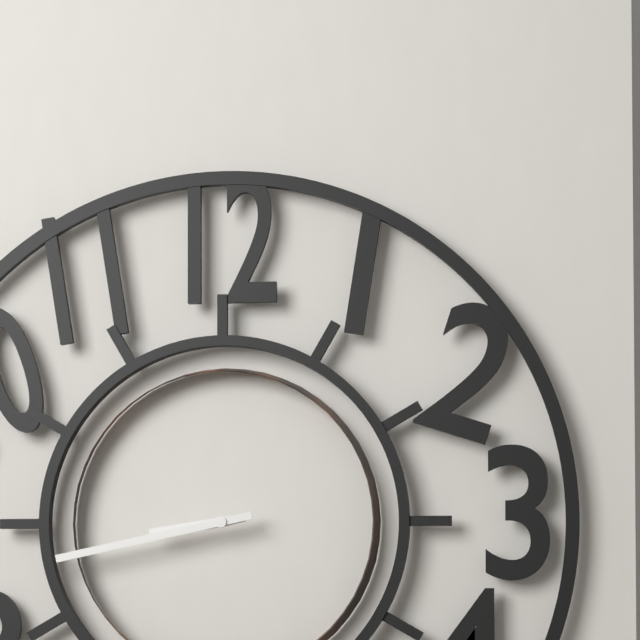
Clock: 8.43
